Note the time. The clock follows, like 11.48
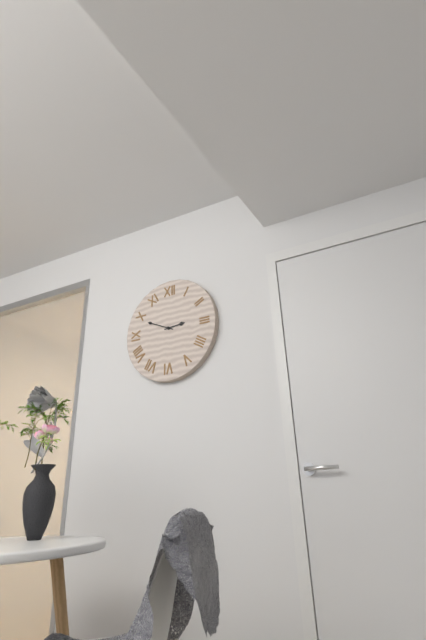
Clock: 2.49
